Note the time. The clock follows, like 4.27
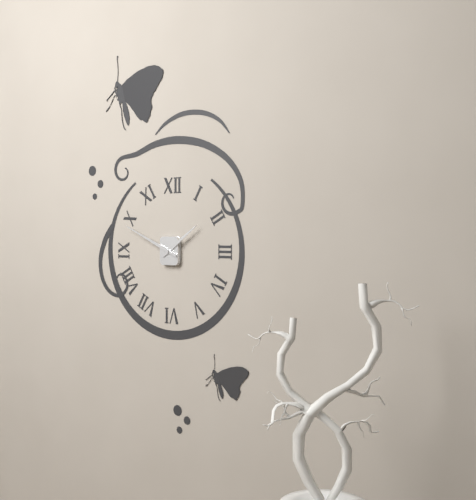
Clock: 1.49
